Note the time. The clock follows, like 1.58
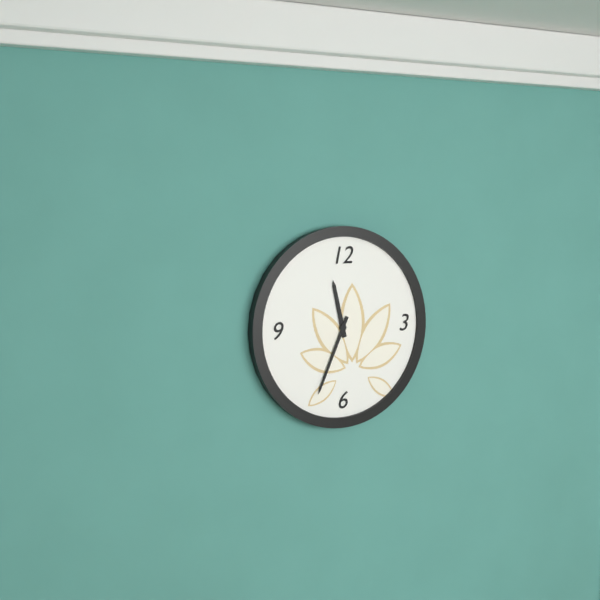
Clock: 11.34
